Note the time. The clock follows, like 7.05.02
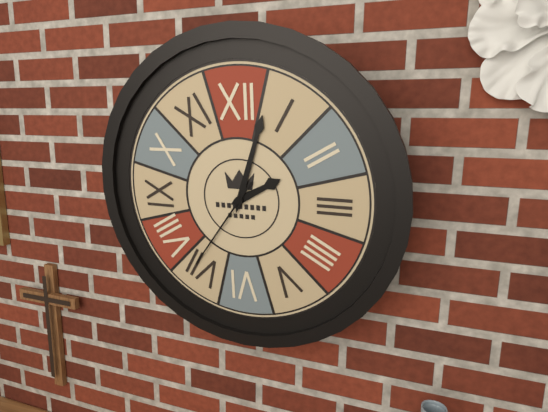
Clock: 2.03.36
